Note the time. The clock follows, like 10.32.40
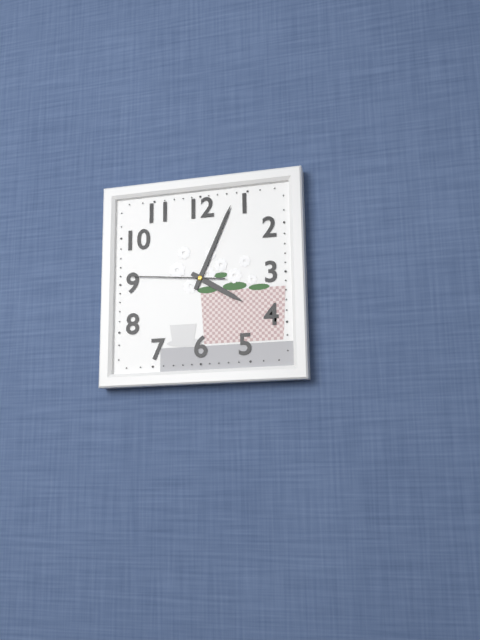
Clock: 4.04.46
